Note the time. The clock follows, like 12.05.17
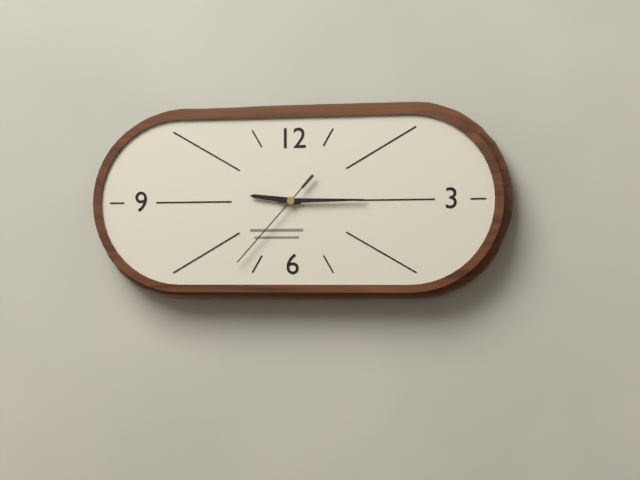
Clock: 9.15.37
